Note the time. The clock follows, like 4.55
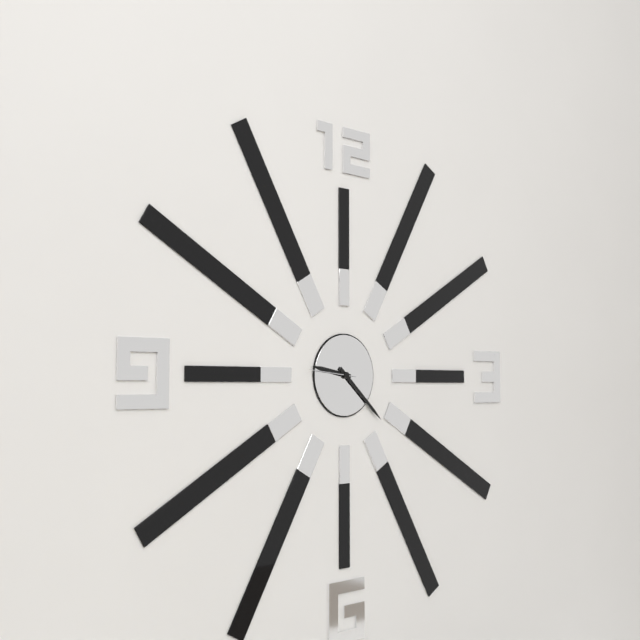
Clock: 9.22
